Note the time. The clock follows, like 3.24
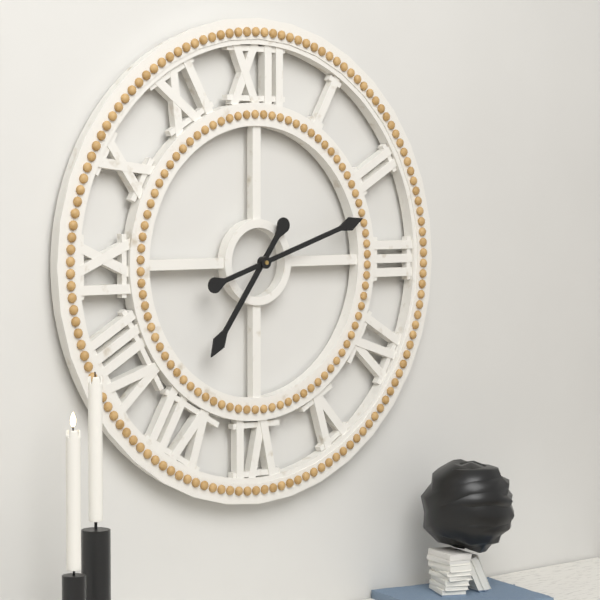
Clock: 7.12
